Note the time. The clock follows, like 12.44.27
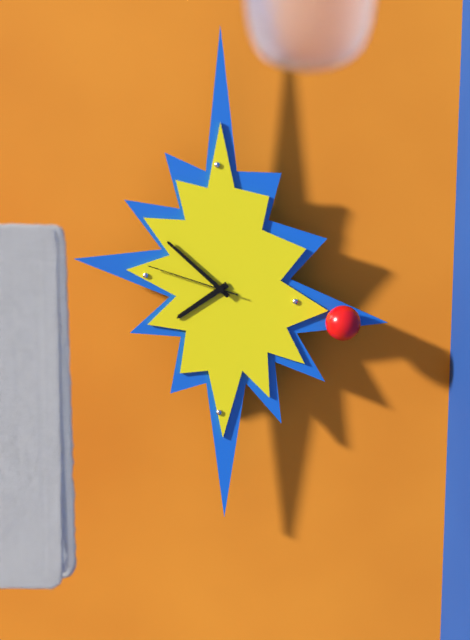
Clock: 7.52.48
